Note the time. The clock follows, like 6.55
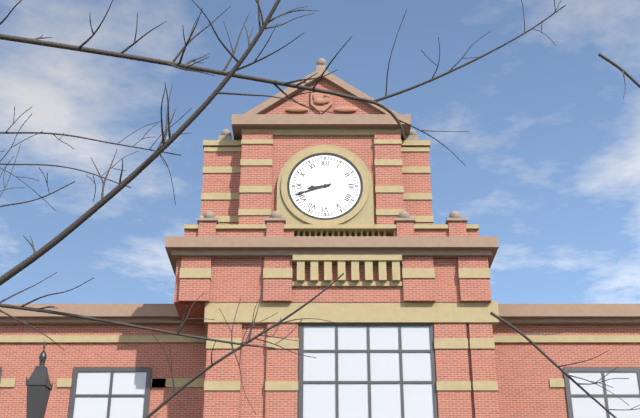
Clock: 8.42
